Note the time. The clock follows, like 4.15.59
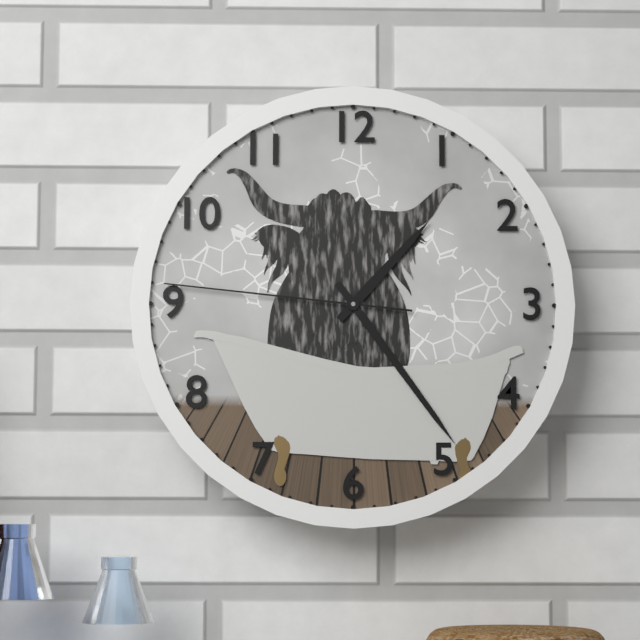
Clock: 1.24.46
